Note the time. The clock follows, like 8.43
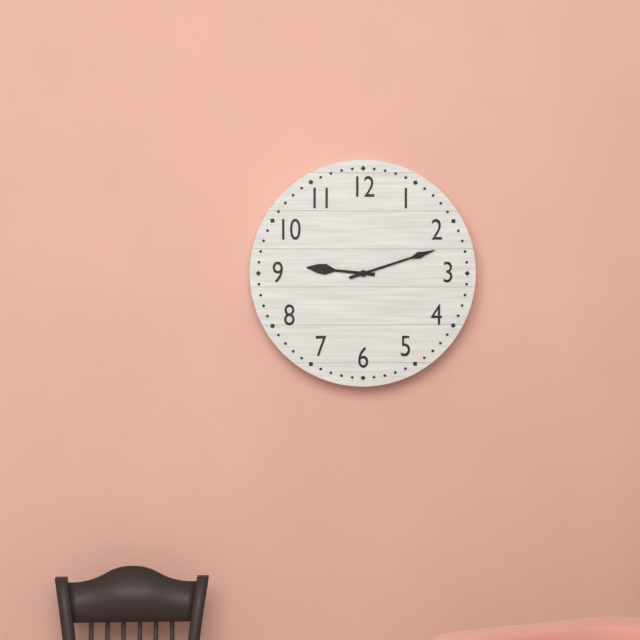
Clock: 9.12
